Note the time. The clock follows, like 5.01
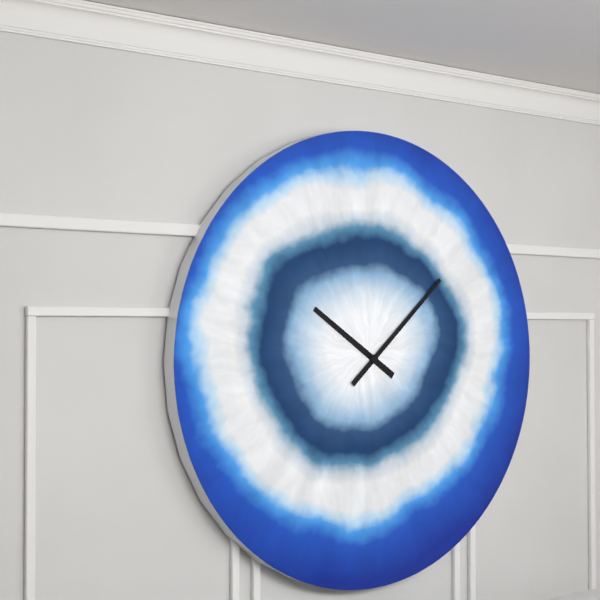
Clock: 10.08
